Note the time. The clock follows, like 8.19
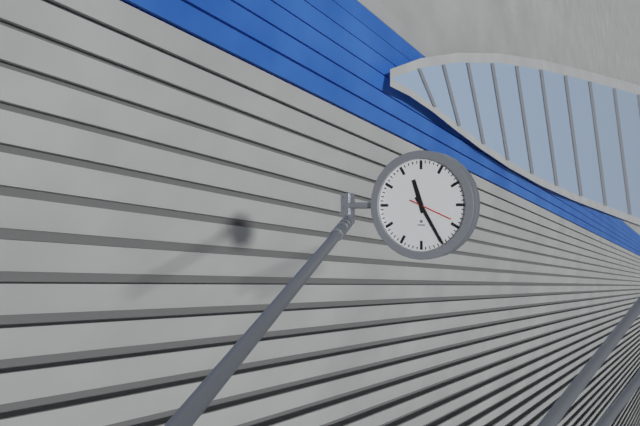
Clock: 11.25
